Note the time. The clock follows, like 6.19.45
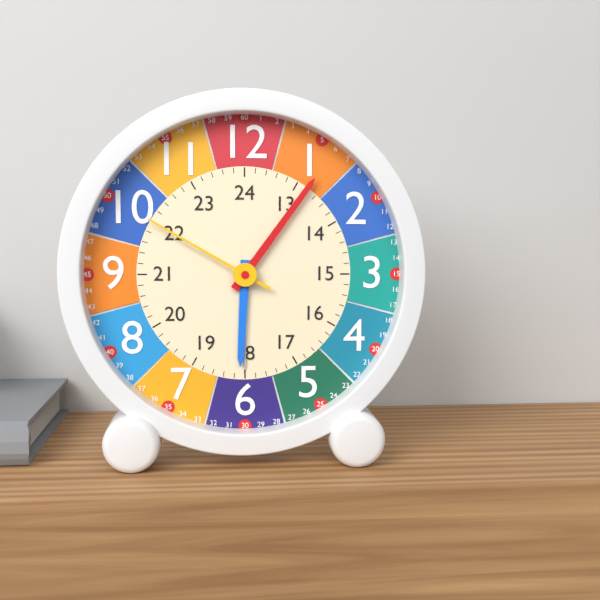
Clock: 6.06.50
